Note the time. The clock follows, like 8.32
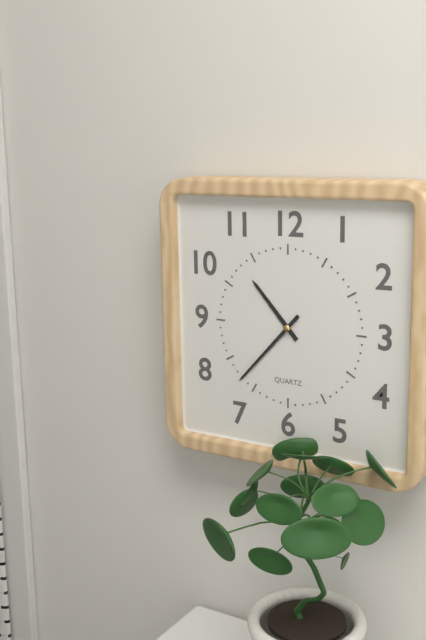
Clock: 10.37
